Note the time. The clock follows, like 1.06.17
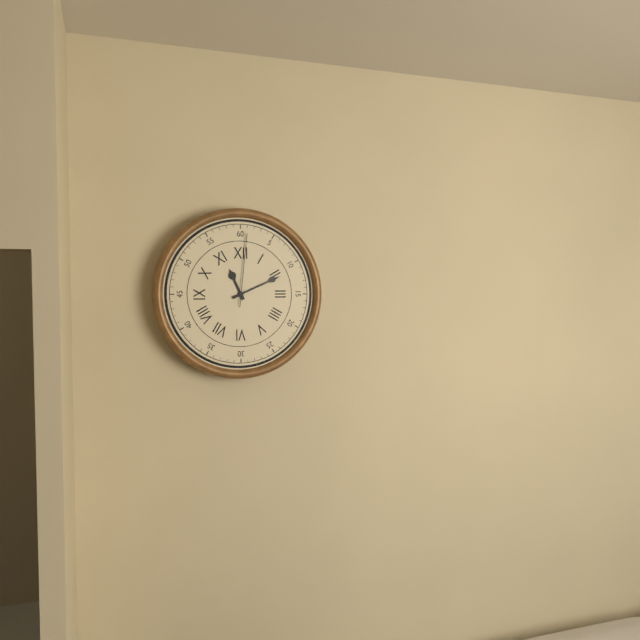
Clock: 11.11.01
